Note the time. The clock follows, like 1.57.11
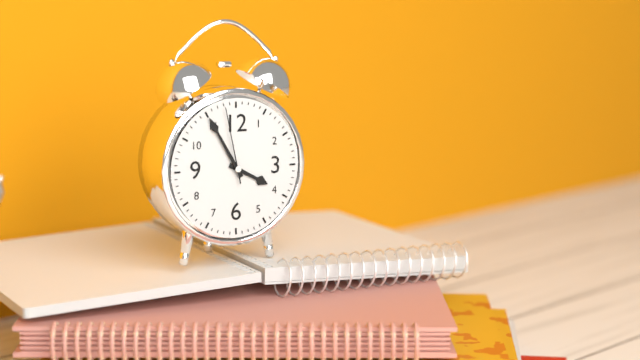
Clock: 3.55.58
